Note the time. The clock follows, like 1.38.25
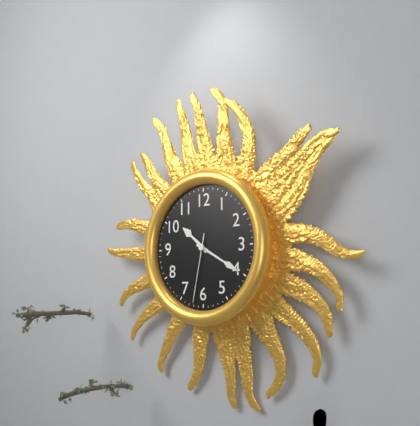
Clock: 10.20.32
